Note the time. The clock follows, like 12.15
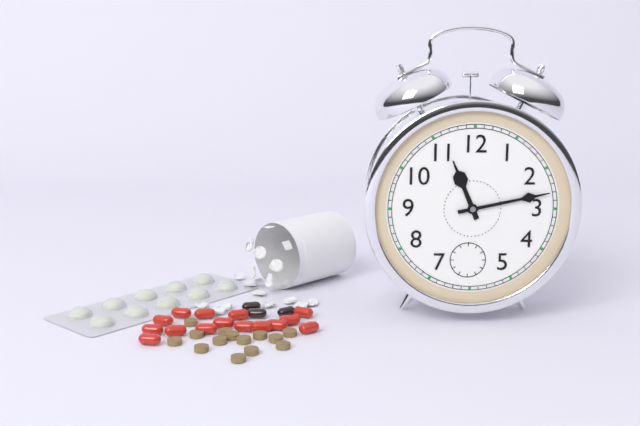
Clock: 11.13
